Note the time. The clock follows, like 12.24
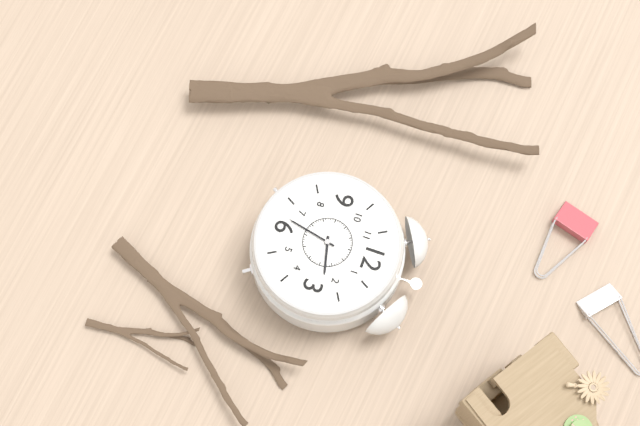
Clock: 2.32
